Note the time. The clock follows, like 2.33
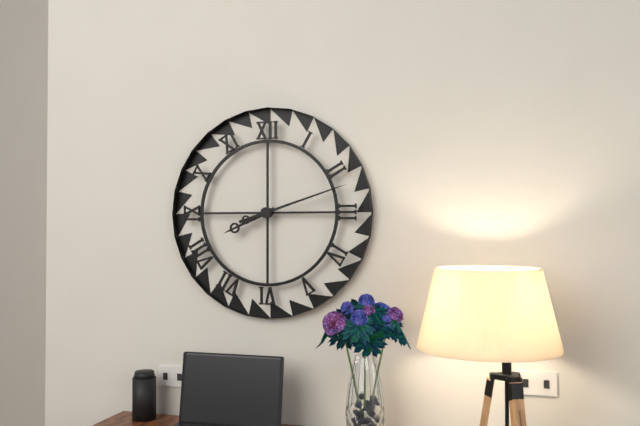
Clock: 8.12
